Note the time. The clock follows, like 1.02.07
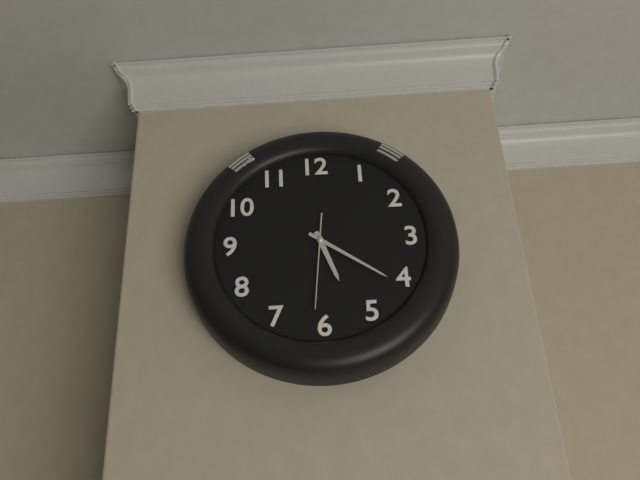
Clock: 5.21.31
